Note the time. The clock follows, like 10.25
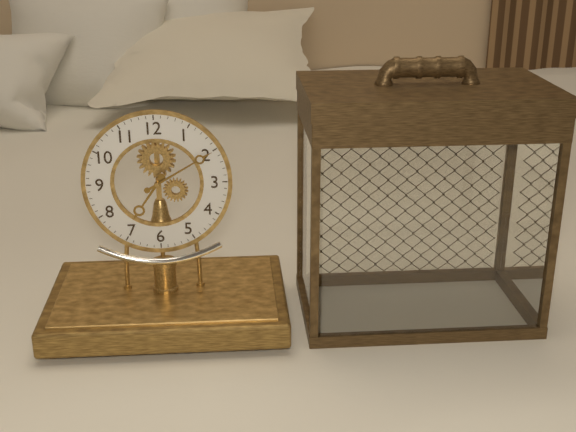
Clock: 7.10
